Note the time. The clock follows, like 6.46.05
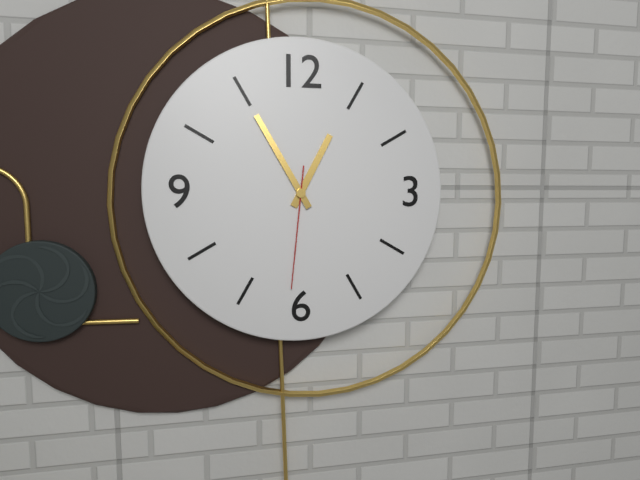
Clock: 12.55.31
